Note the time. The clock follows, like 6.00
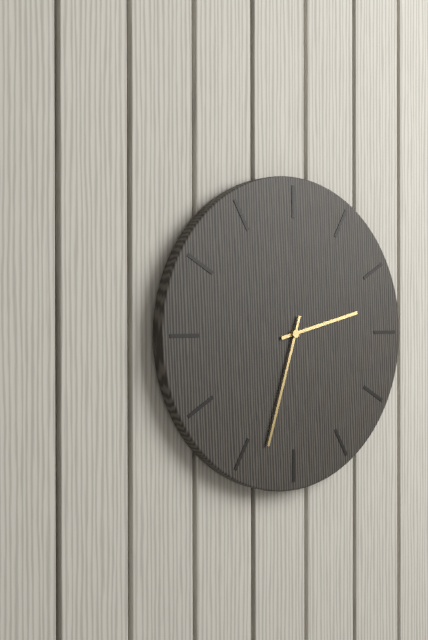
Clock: 2.33
